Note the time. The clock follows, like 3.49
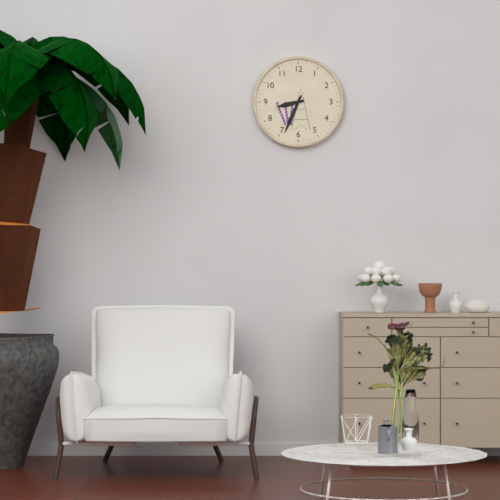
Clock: 8.34
